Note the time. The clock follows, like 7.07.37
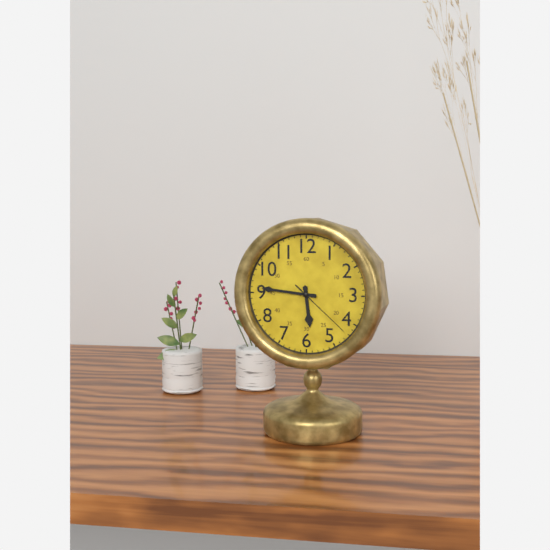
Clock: 5.46.22
